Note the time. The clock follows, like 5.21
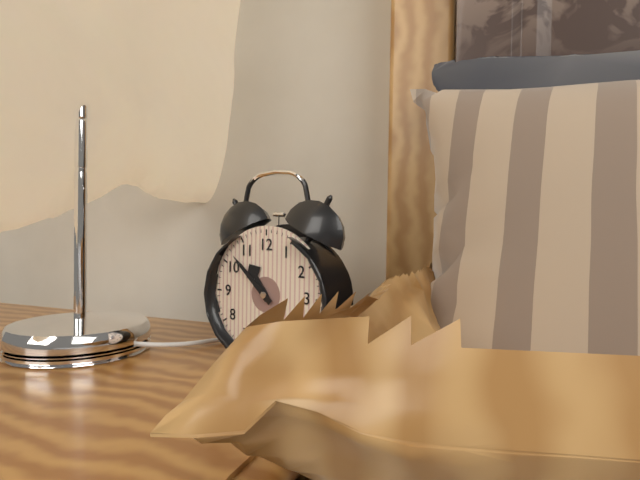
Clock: 10.52
